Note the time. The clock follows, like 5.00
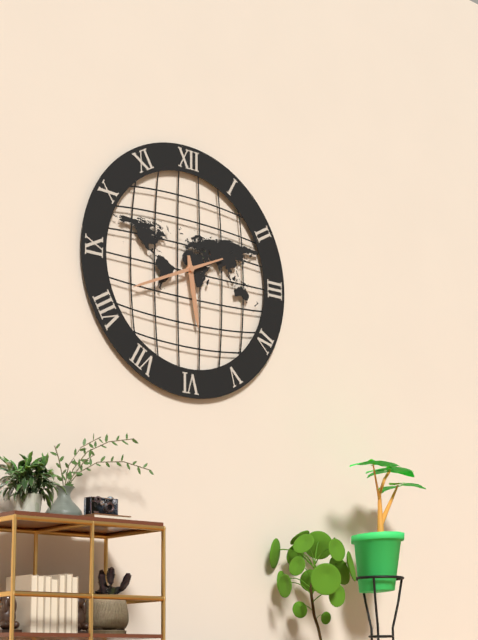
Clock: 5.41
